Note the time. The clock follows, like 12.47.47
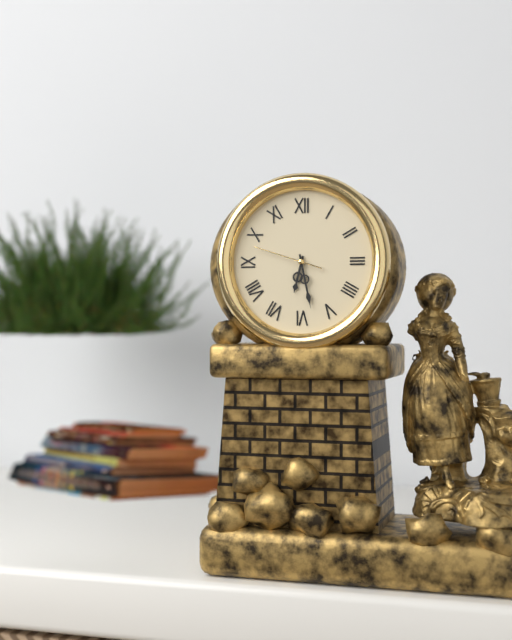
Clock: 6.28.48
